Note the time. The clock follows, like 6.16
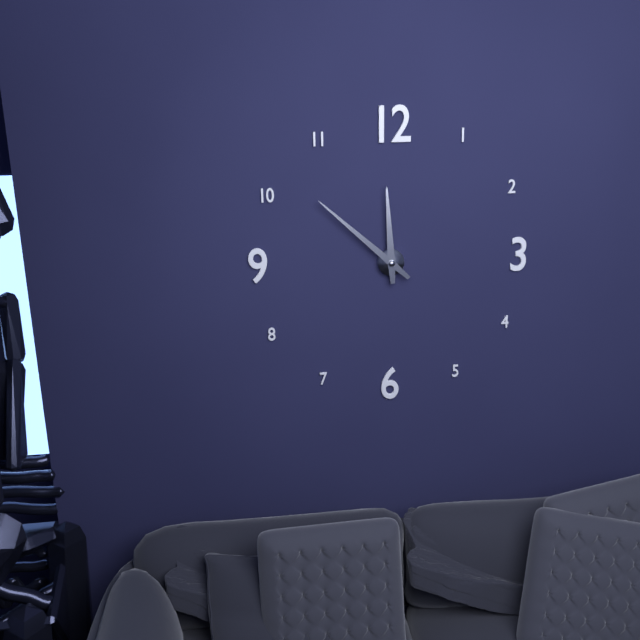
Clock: 11.52
